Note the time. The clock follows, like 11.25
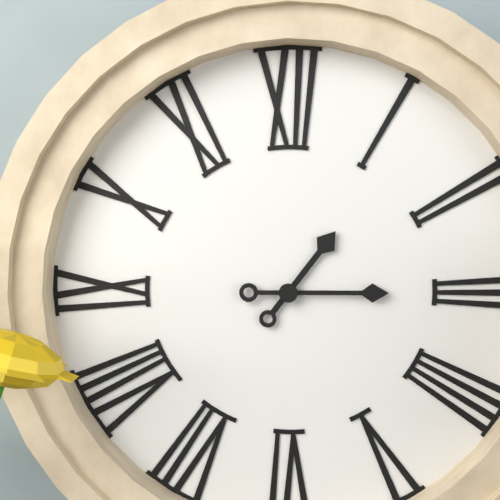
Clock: 1.15
